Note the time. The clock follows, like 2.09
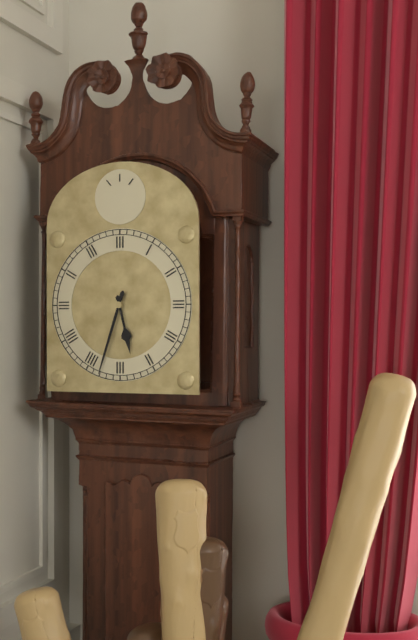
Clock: 5.33
